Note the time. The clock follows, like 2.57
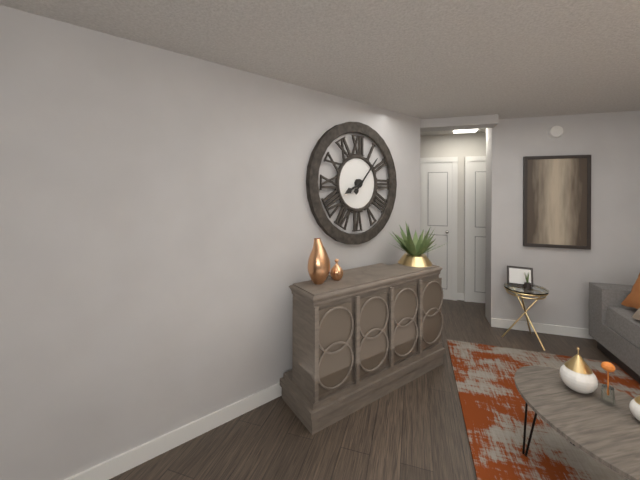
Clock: 8.07
